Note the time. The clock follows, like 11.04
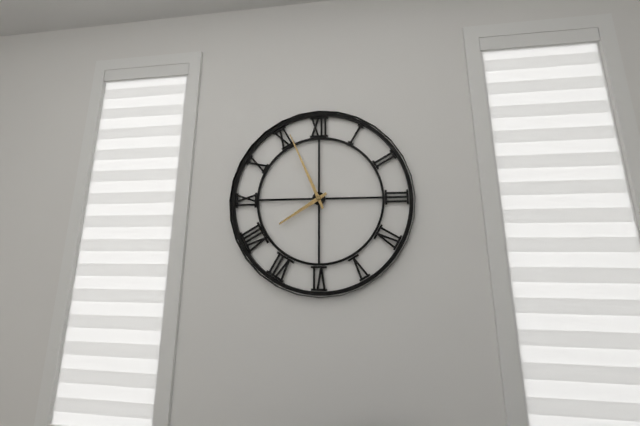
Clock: 7.56
